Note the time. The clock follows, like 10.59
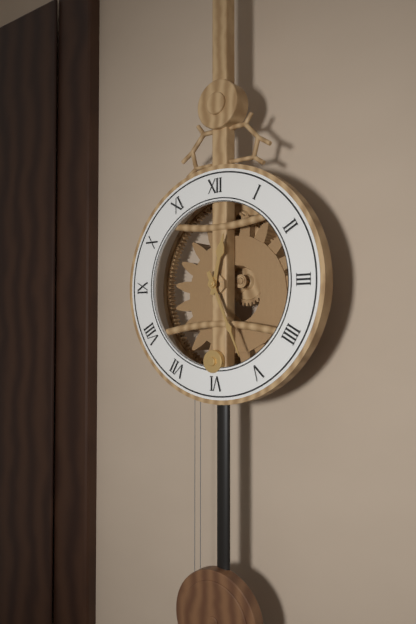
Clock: 12.26
